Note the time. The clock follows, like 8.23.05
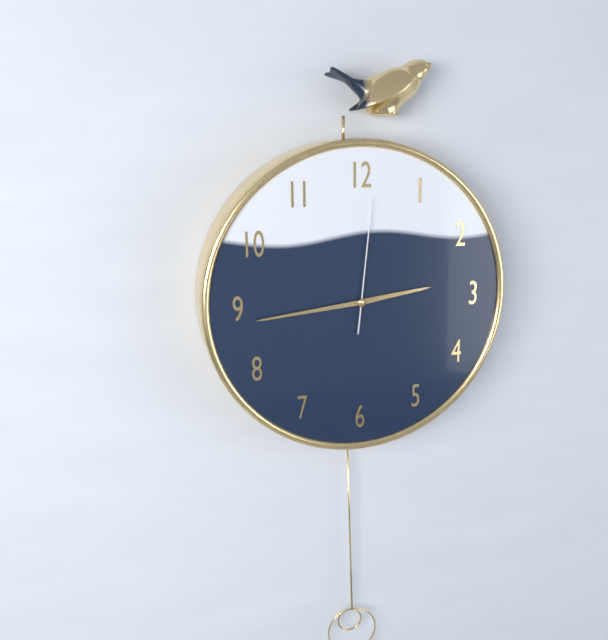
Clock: 2.44.01
